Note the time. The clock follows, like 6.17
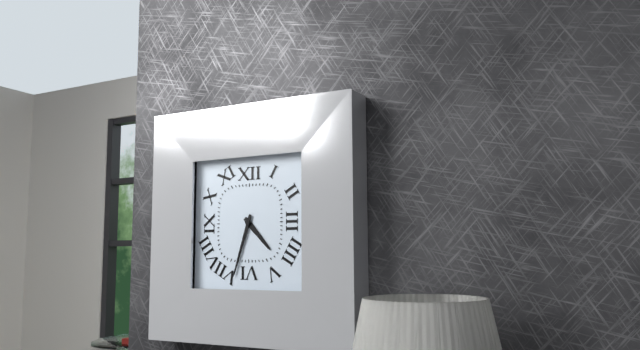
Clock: 4.33
